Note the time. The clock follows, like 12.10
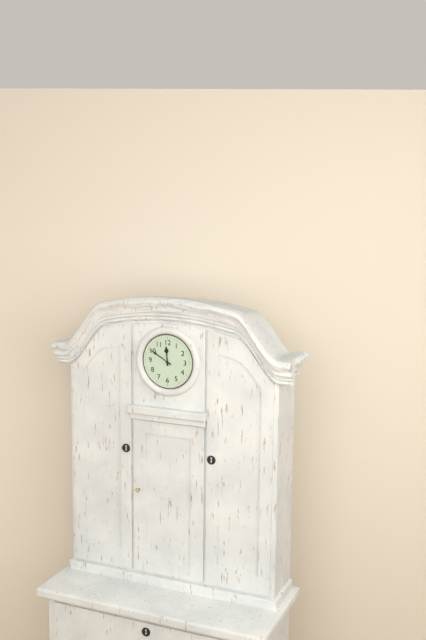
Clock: 11.50
